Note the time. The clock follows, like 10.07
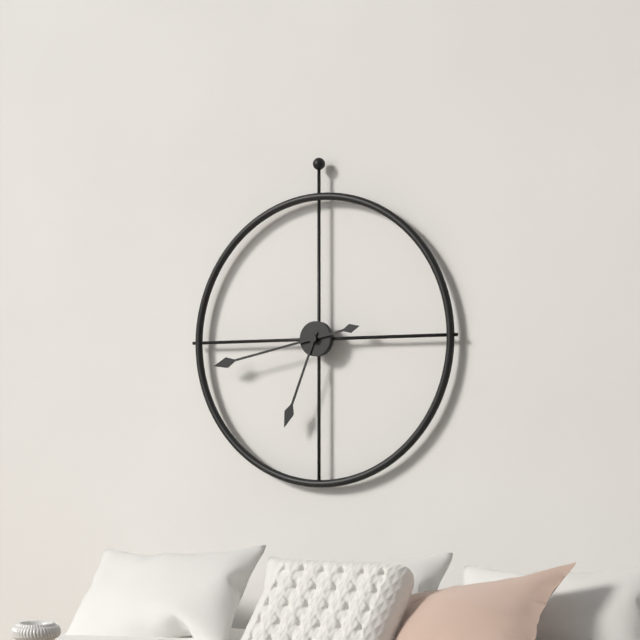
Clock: 6.43
